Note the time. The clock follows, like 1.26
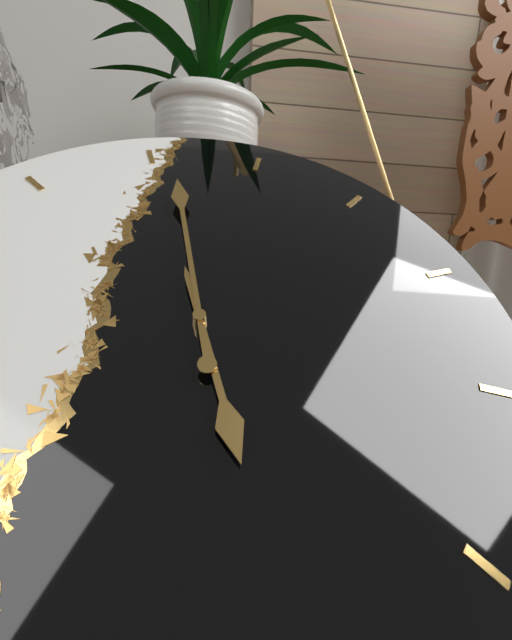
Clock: 6.01
